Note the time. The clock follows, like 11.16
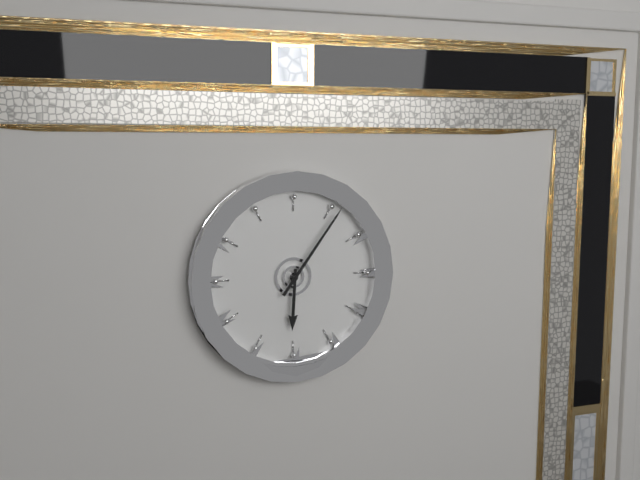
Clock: 6.06
